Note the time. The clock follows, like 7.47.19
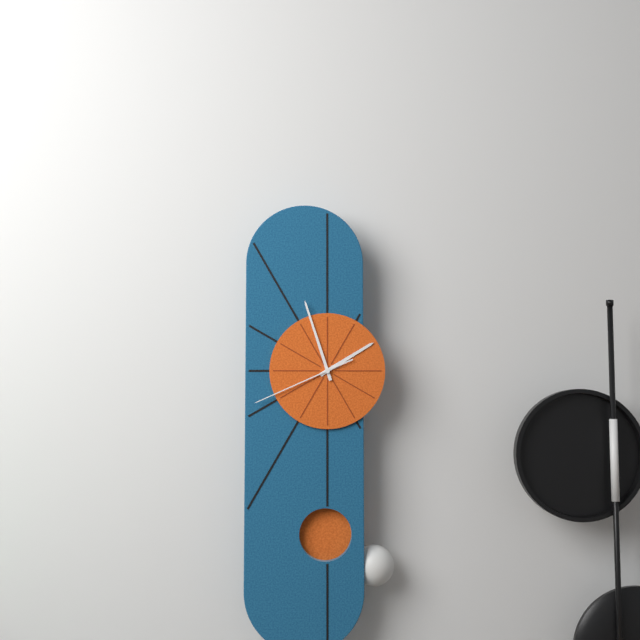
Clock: 1.57.41
